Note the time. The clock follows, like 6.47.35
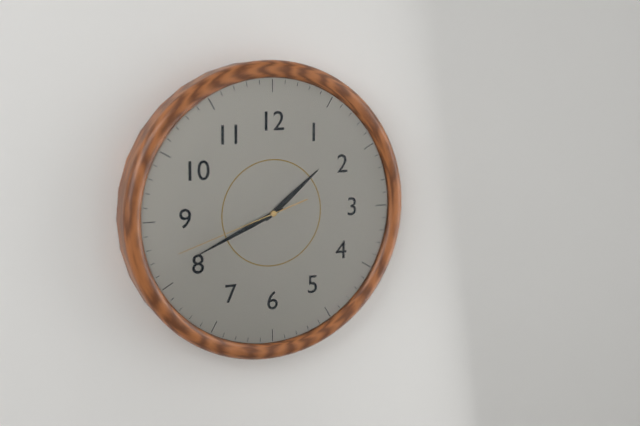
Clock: 1.41.42
